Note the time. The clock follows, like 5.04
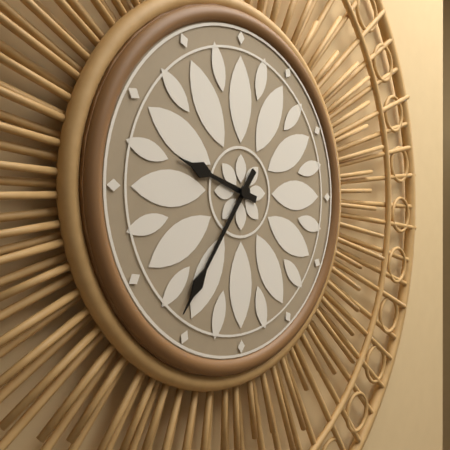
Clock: 9.36
